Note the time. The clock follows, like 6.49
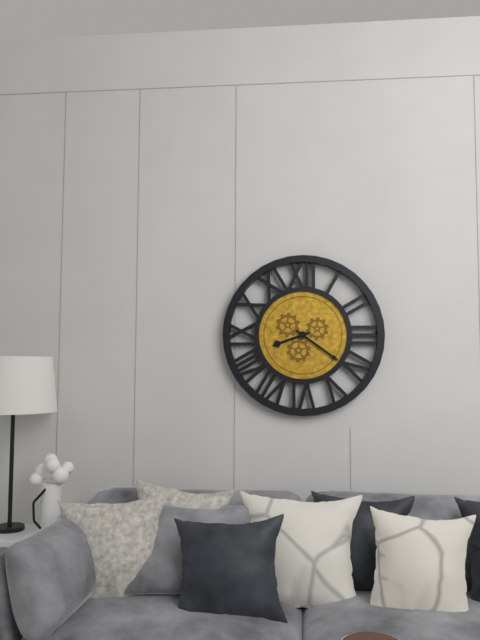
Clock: 8.21
